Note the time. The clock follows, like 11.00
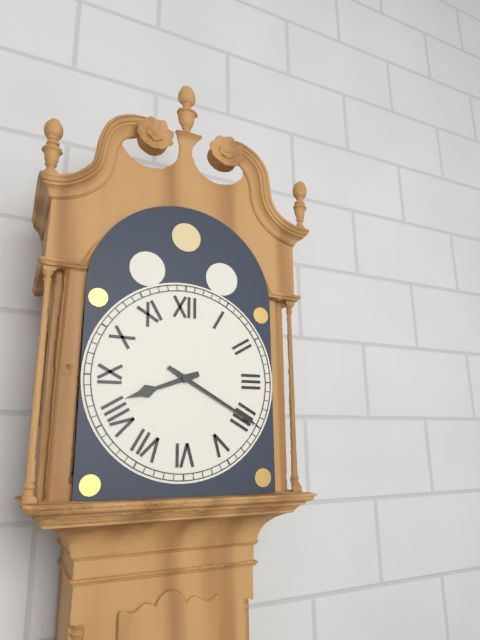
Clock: 8.20
